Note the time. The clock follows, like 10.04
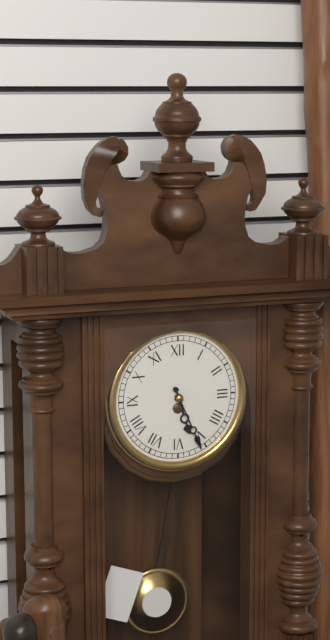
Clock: 5.26
